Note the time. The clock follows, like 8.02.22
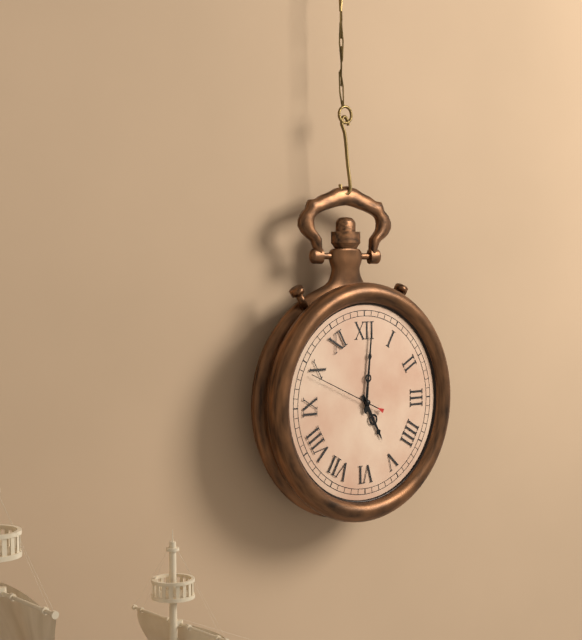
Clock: 5.01.49
